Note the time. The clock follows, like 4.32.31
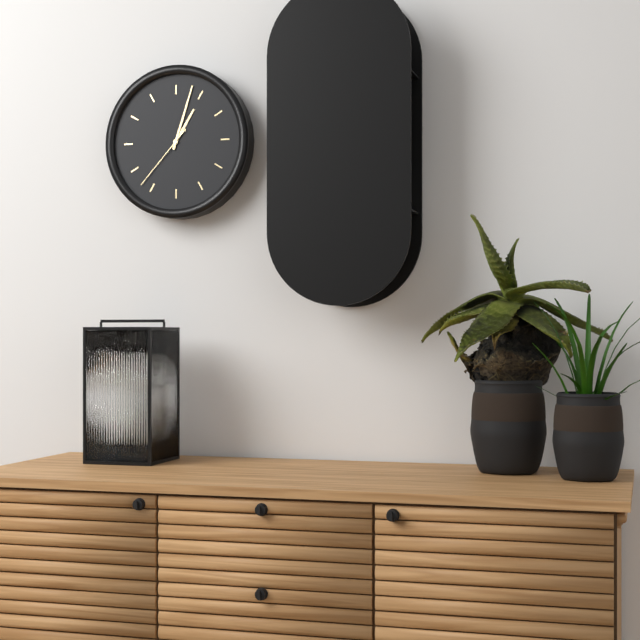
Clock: 1.03.37
